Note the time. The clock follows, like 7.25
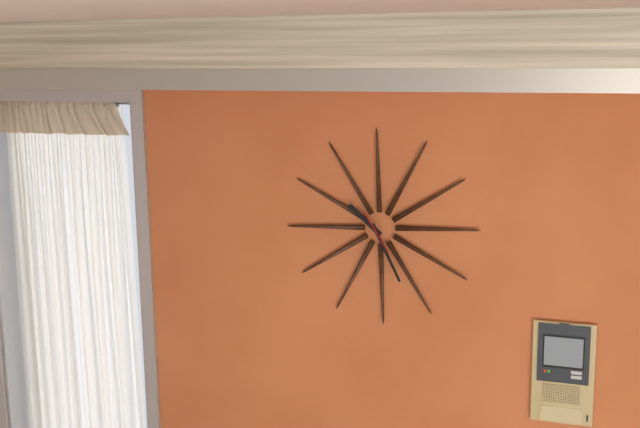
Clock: 10.26
